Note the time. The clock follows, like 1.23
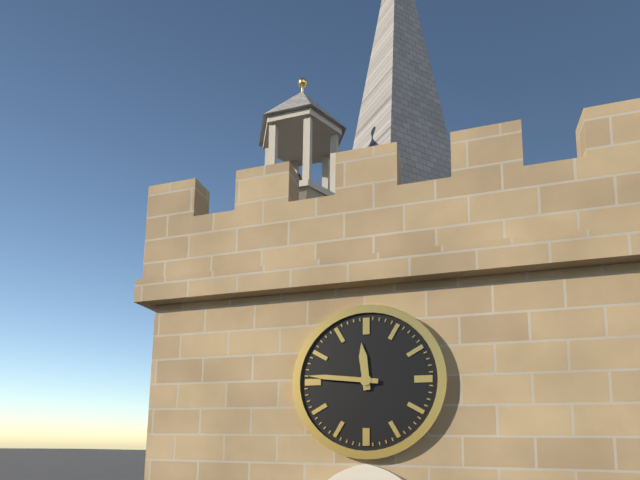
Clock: 11.46
